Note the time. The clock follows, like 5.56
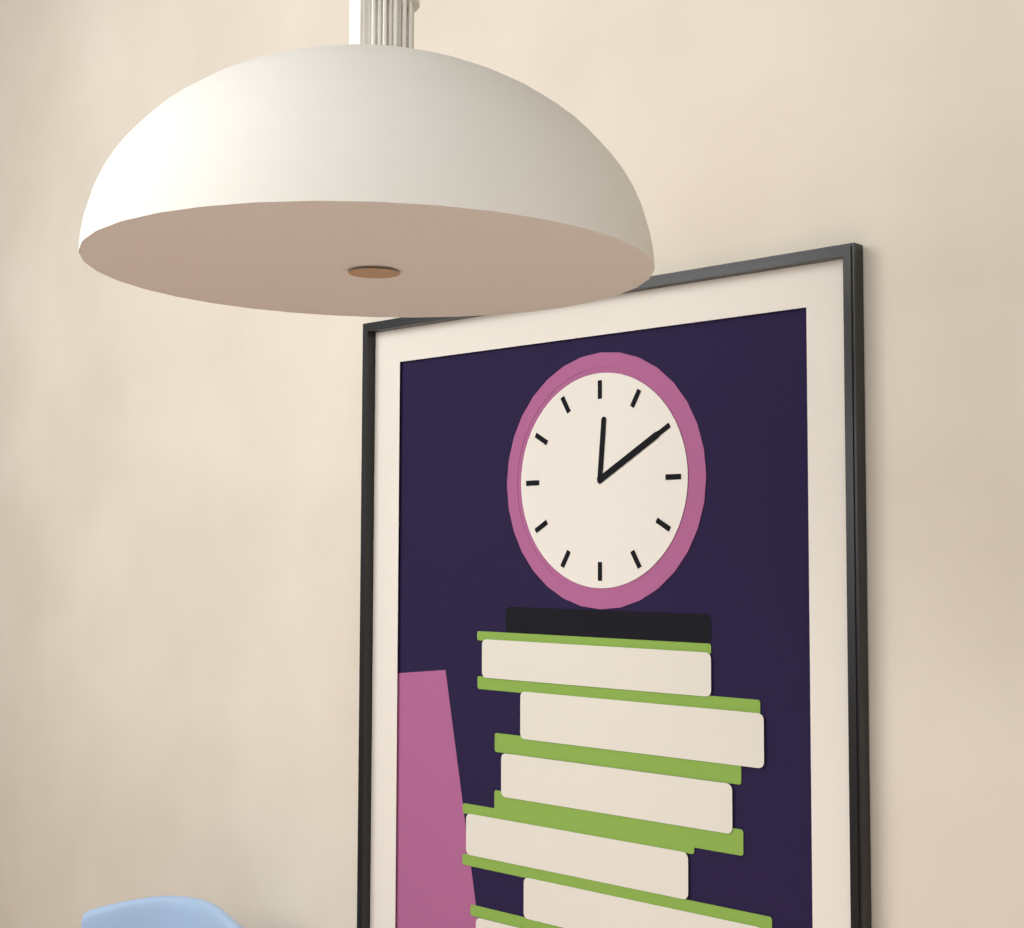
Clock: 12.10
